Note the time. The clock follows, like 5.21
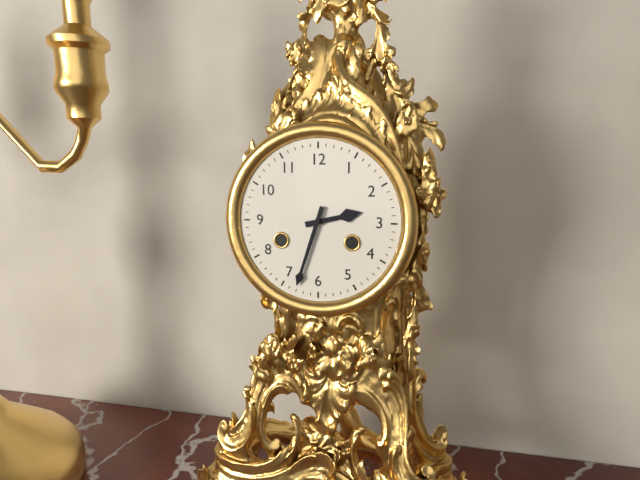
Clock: 2.33
